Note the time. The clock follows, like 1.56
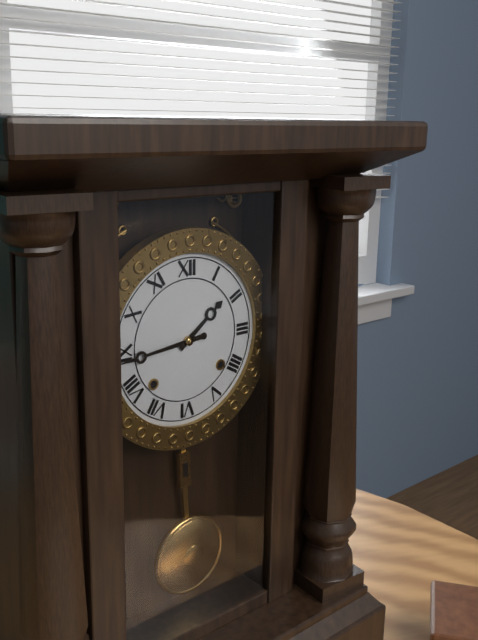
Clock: 1.44
